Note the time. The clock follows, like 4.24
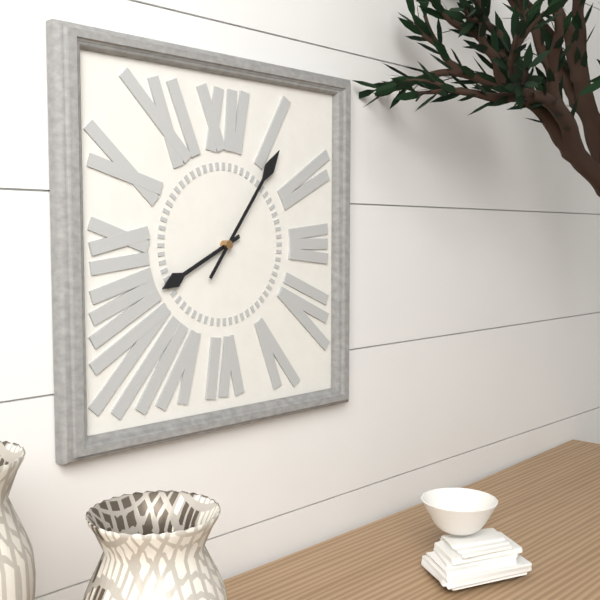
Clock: 8.06
